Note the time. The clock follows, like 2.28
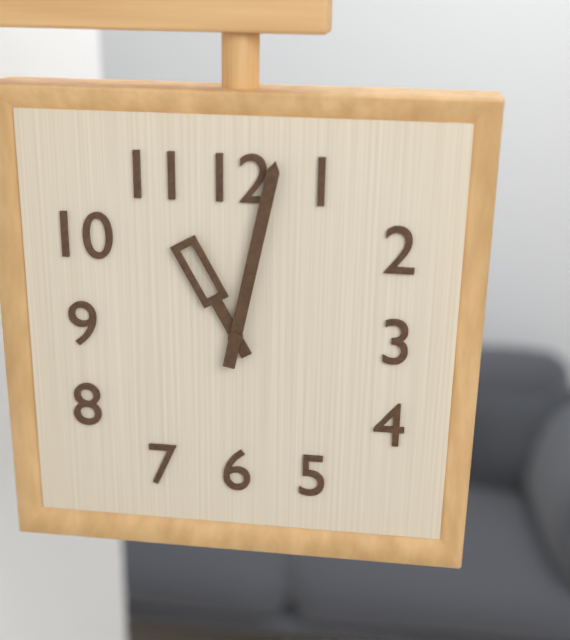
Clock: 11.02
